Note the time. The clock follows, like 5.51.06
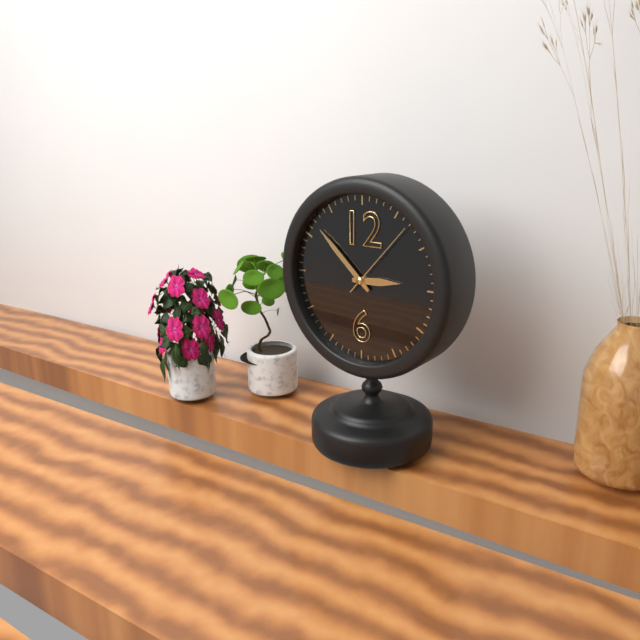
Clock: 2.52.07
